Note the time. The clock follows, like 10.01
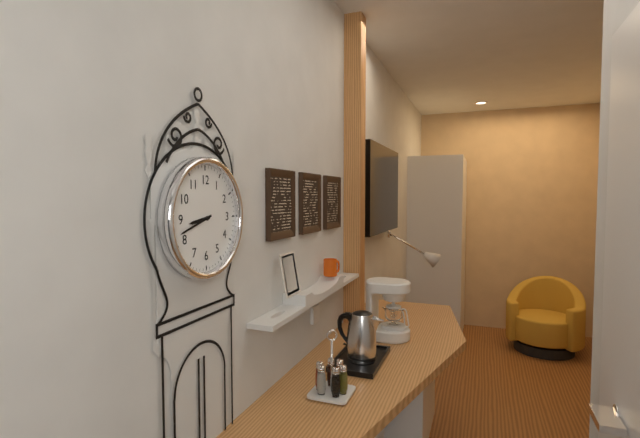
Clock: 8.42
